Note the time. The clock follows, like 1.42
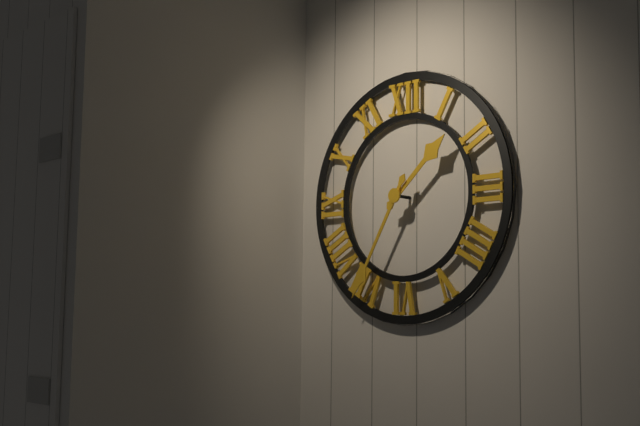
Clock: 1.35
